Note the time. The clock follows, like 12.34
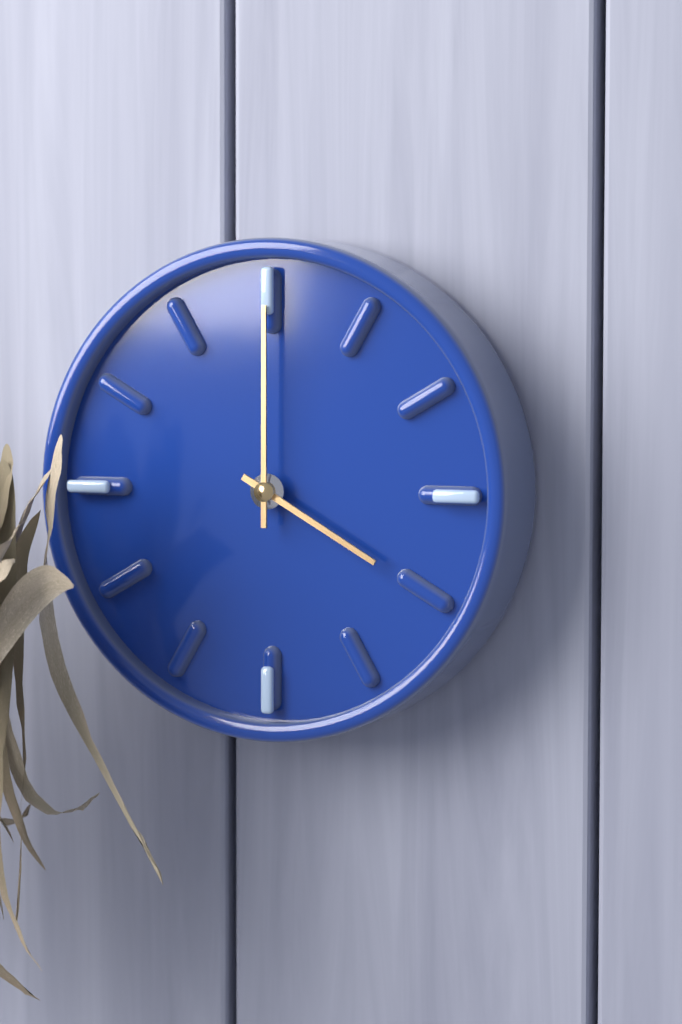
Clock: 4.00
